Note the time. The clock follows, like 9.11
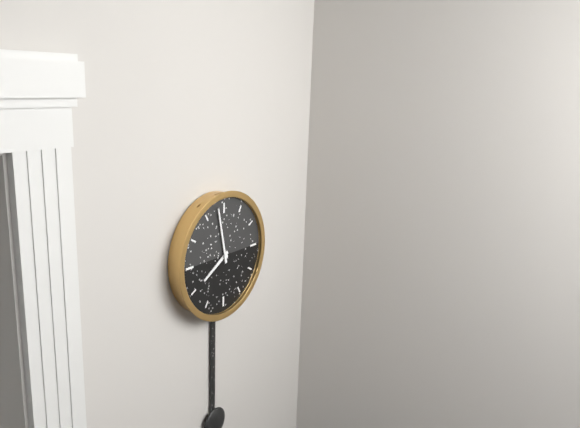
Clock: 7.58
